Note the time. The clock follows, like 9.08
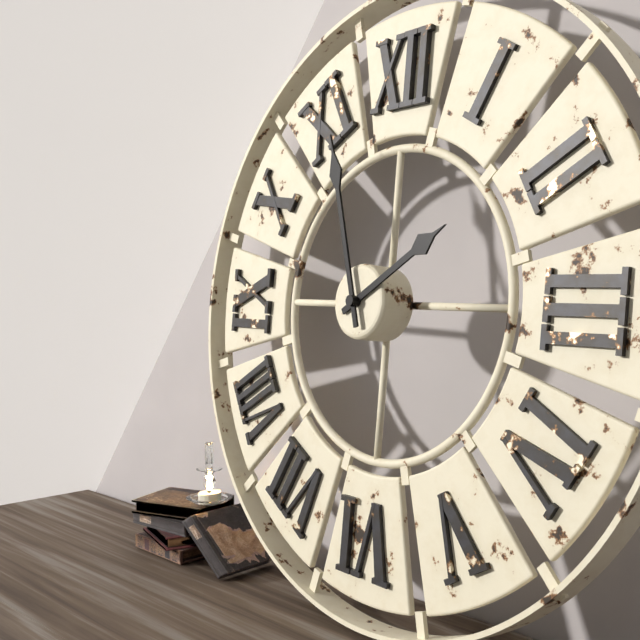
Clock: 1.57
